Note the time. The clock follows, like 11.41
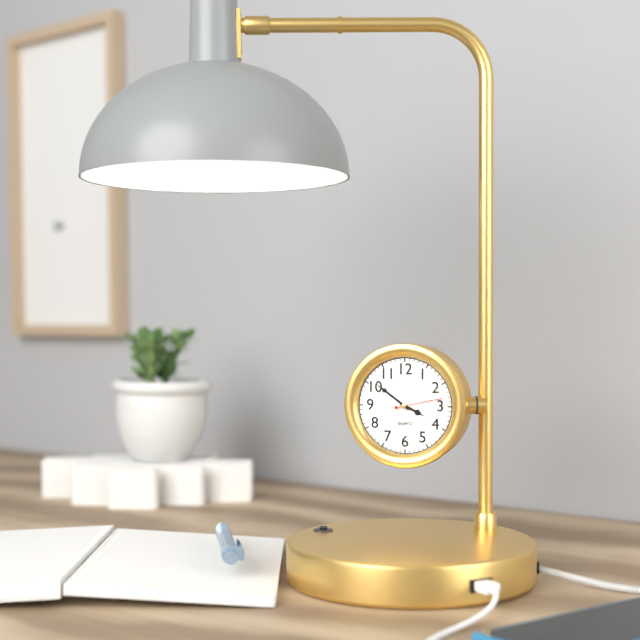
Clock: 3.51
